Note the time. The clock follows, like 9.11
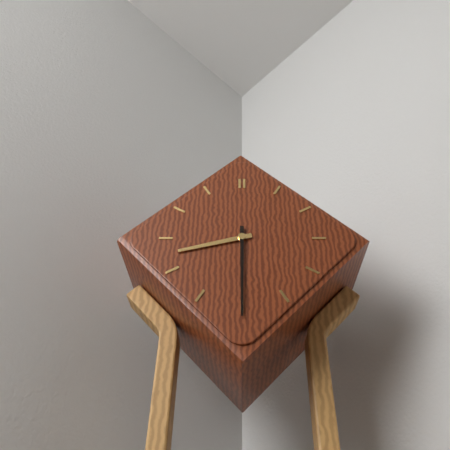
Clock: 8.30
